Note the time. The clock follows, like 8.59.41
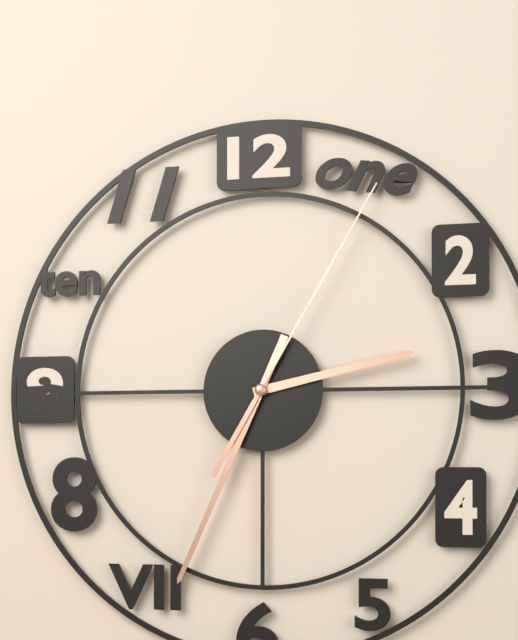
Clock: 2.34.05
